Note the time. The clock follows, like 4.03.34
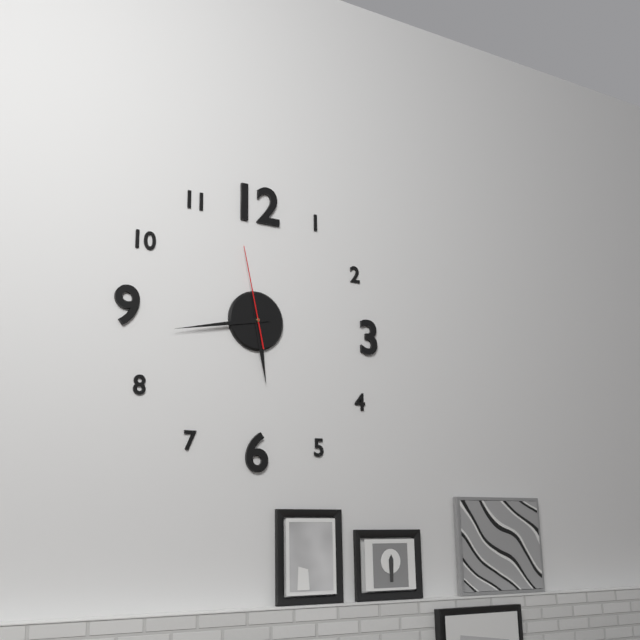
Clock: 5.43.58
